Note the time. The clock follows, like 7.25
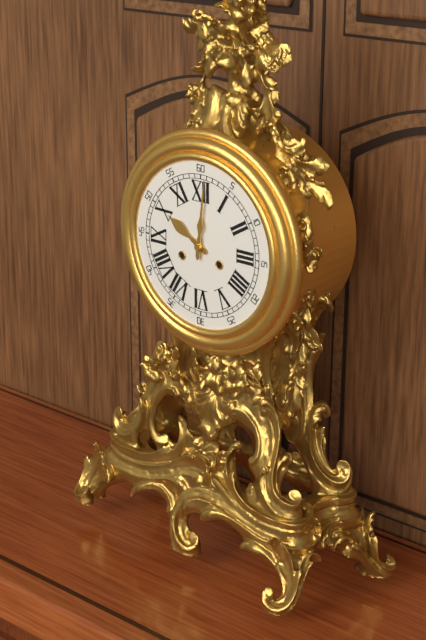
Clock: 10.01
